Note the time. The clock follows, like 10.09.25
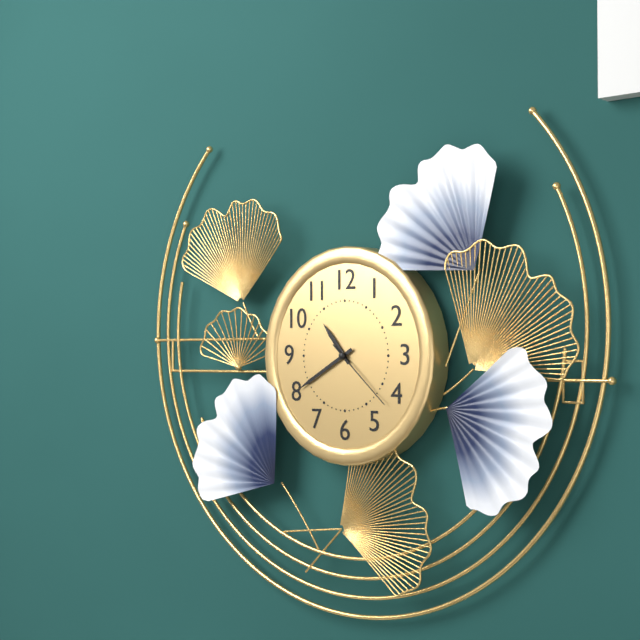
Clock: 10.40.22
